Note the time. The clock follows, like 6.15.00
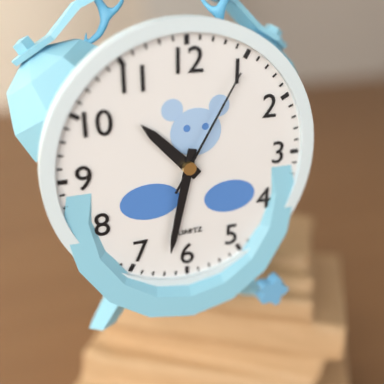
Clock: 10.32.05
